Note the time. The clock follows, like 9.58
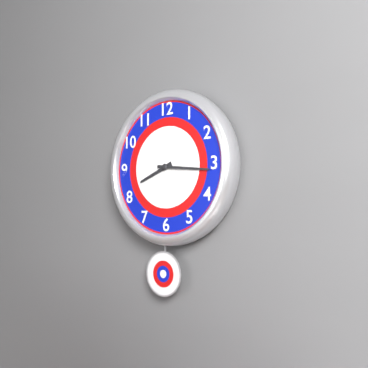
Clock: 8.16
